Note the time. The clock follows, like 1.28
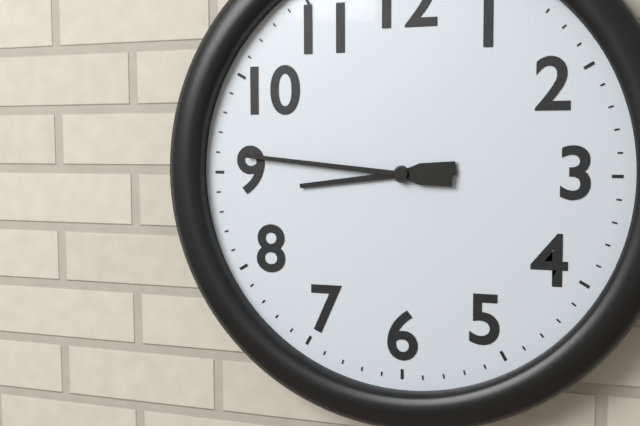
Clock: 8.46
